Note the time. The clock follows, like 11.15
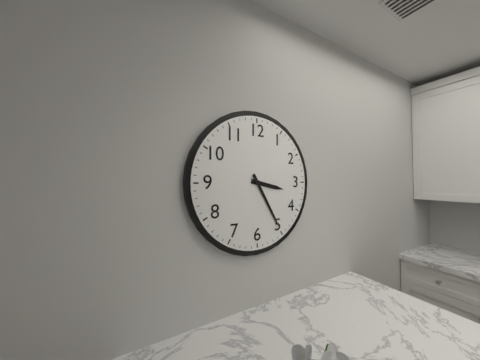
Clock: 3.25
